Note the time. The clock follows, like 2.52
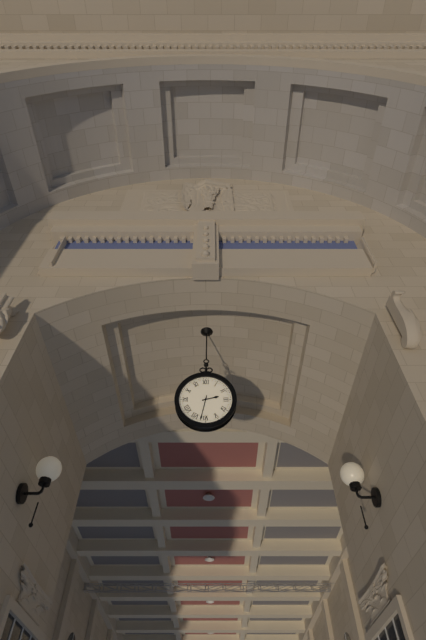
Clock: 2.32
